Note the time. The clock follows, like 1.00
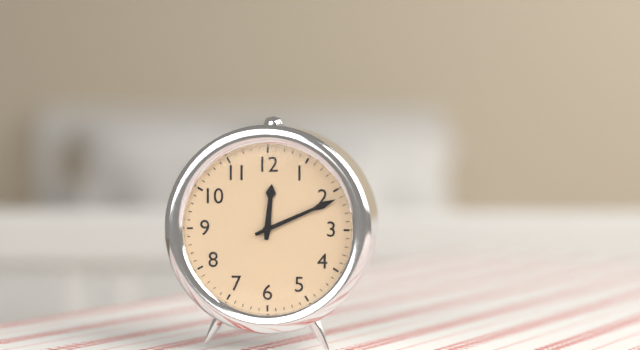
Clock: 12.11
